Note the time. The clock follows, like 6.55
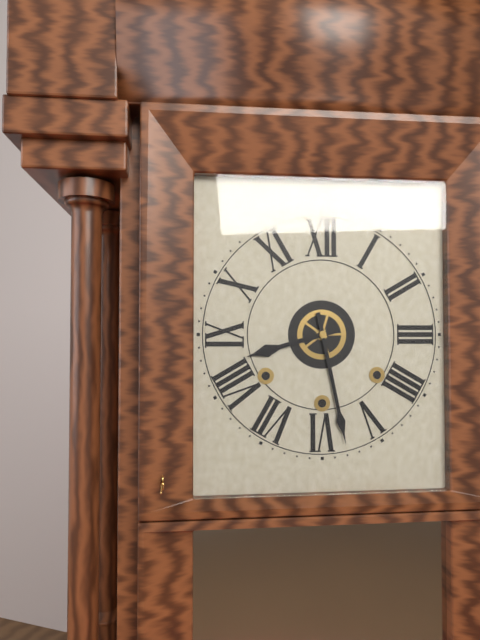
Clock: 8.28
